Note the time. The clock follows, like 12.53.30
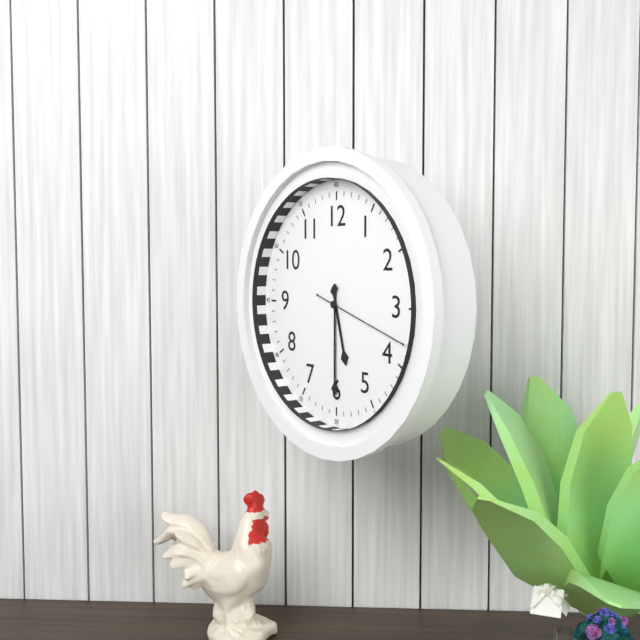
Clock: 5.30.18
